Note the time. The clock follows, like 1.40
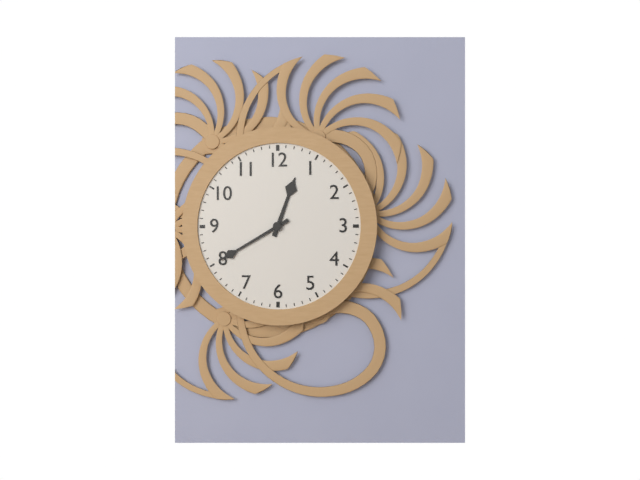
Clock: 12.40
